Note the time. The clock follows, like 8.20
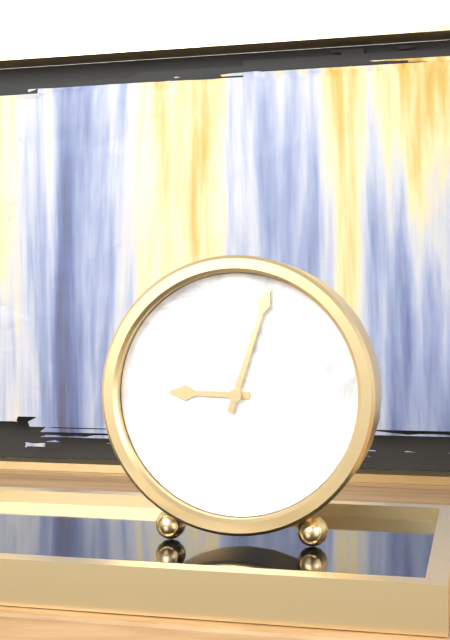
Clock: 9.03
